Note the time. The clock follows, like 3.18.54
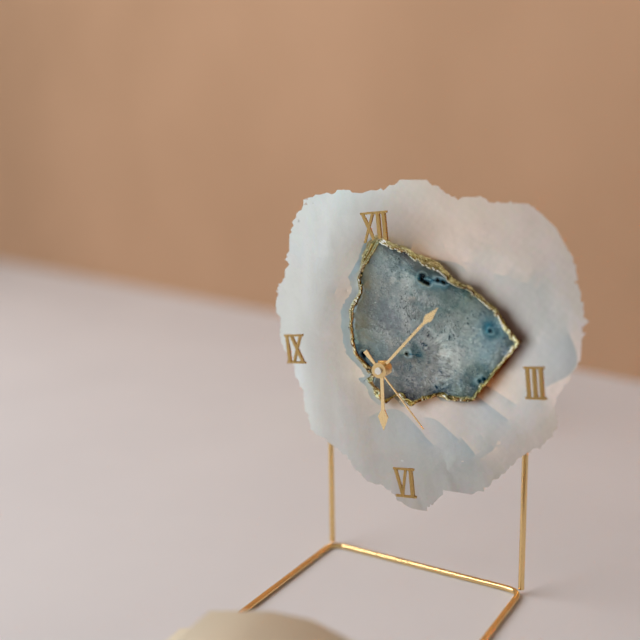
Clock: 6.08.24
